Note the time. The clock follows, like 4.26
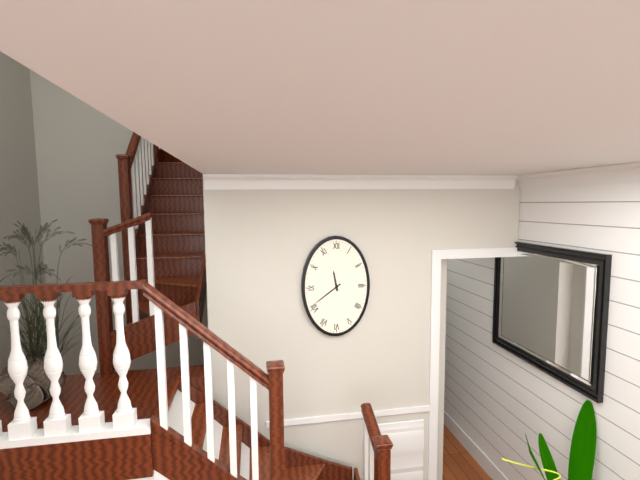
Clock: 11.39
